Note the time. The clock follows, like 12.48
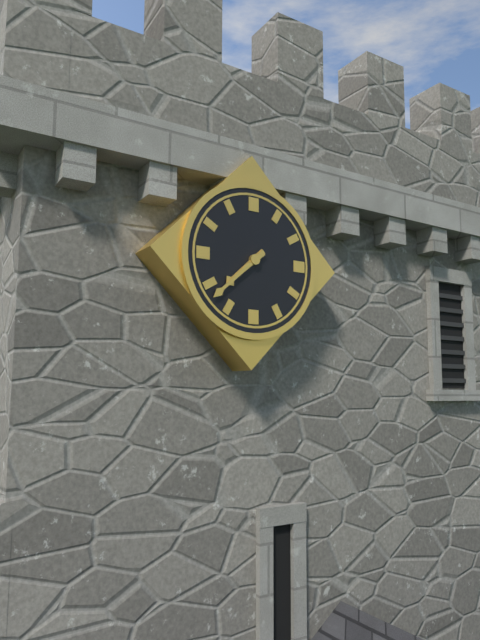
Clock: 7.38
